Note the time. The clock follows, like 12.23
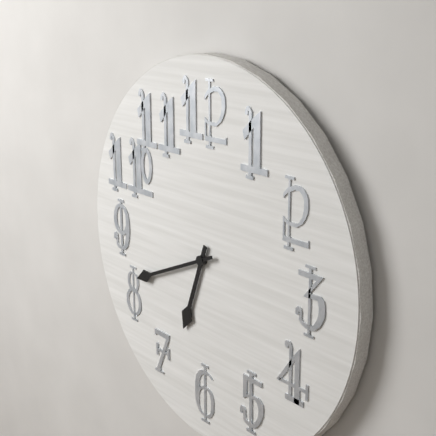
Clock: 6.41
